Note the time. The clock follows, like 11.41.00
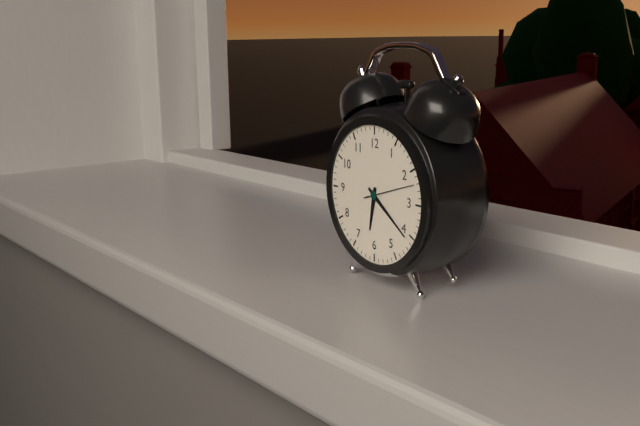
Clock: 6.21.12
